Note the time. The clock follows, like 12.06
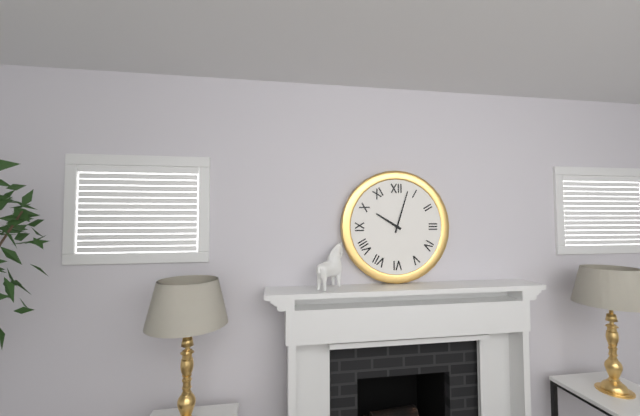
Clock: 10.03
